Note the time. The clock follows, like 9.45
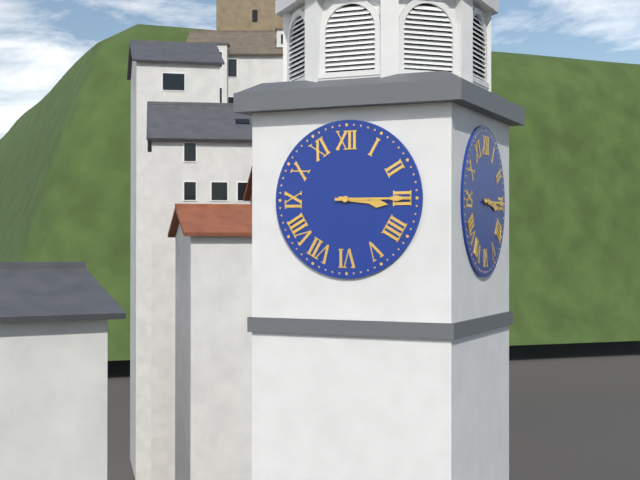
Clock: 3.15
